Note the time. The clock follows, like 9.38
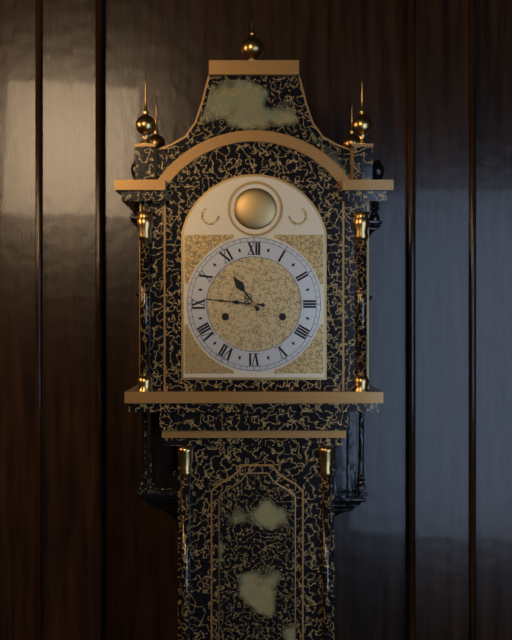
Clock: 10.46
